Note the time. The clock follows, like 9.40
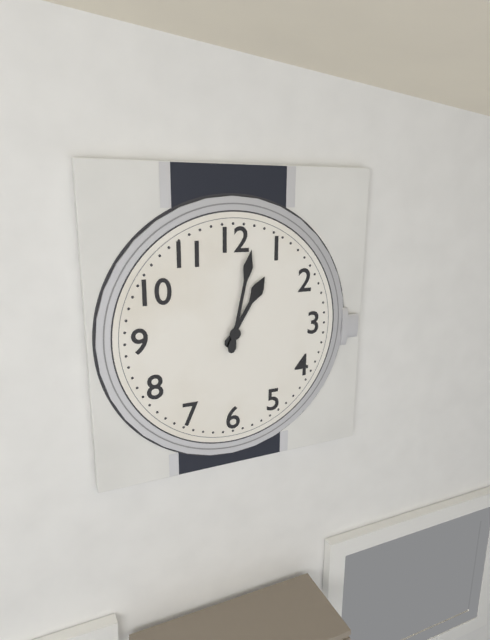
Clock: 1.02
